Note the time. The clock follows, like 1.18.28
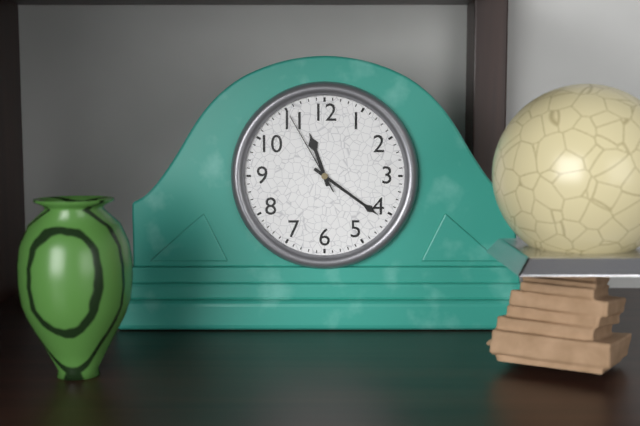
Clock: 11.21.55
